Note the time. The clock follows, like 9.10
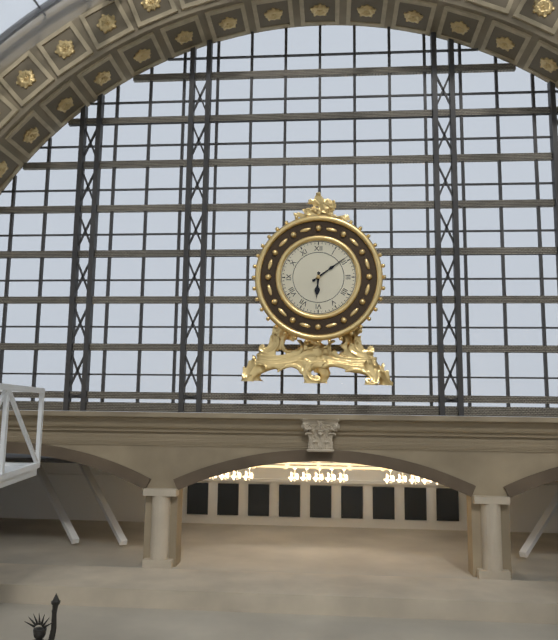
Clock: 6.09
